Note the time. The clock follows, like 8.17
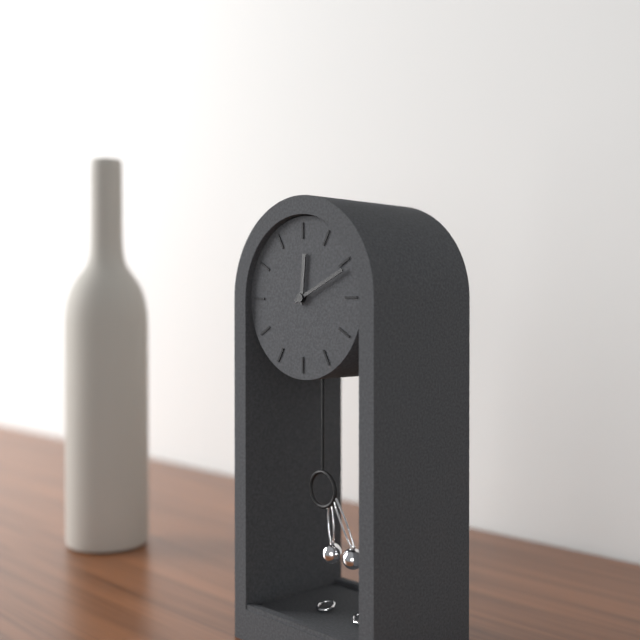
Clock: 12.11
